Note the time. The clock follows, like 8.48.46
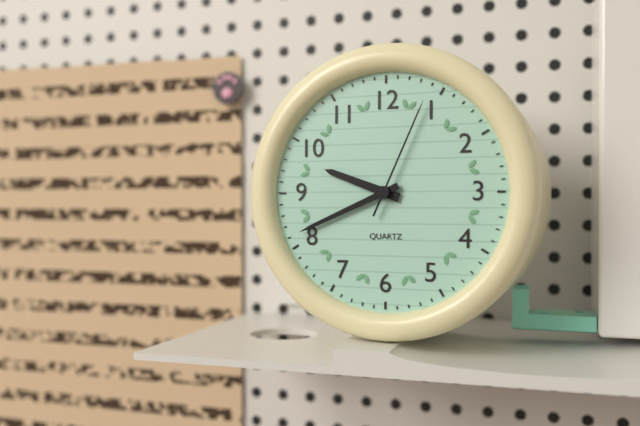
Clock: 9.41.04
